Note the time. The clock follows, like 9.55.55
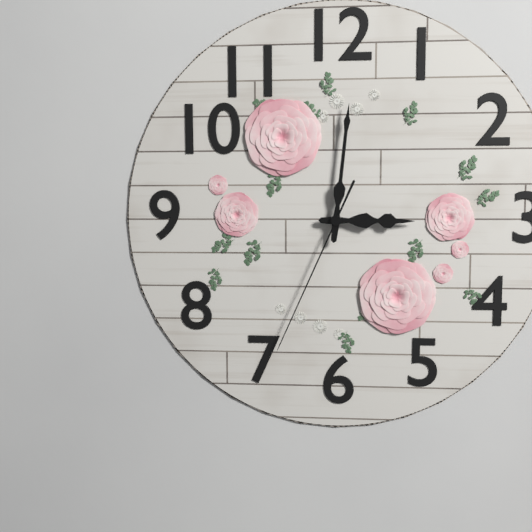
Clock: 3.01.34
